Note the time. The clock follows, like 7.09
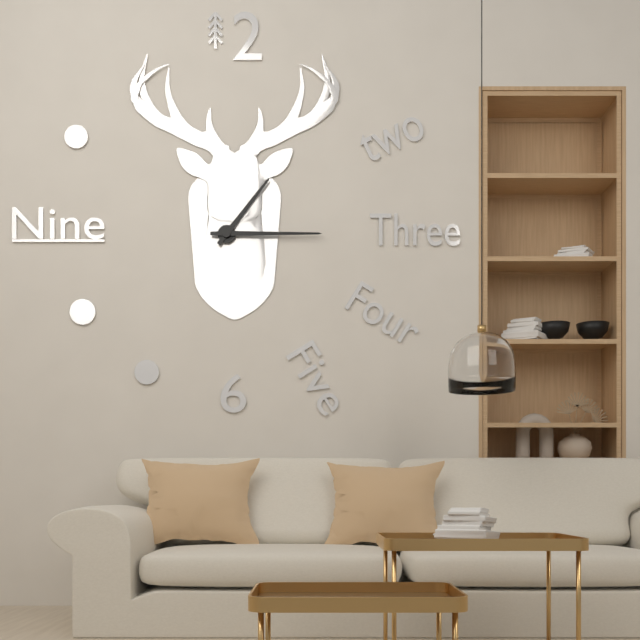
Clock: 1.15
